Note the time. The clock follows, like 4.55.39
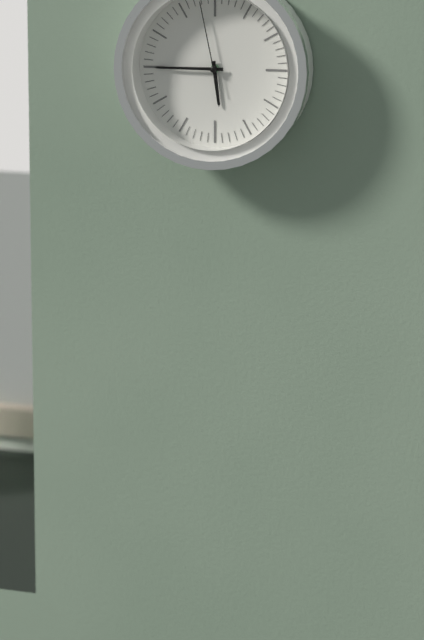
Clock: 5.45.58
